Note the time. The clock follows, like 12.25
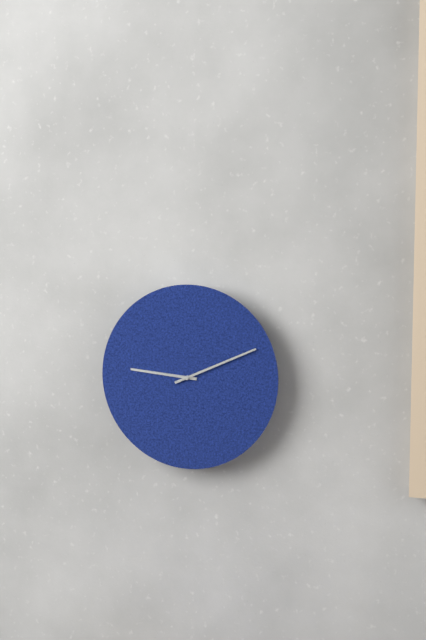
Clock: 9.11
